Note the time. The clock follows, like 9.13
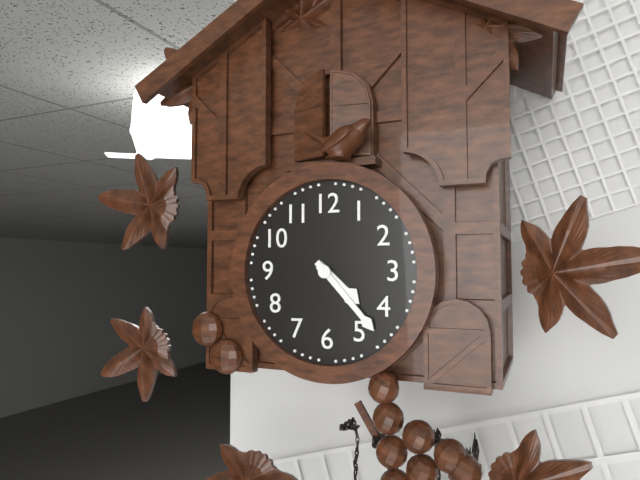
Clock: 4.23
